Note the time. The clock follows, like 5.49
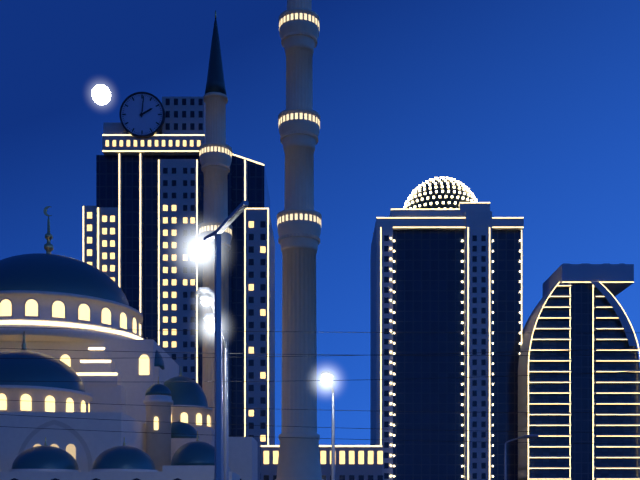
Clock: 2.01
